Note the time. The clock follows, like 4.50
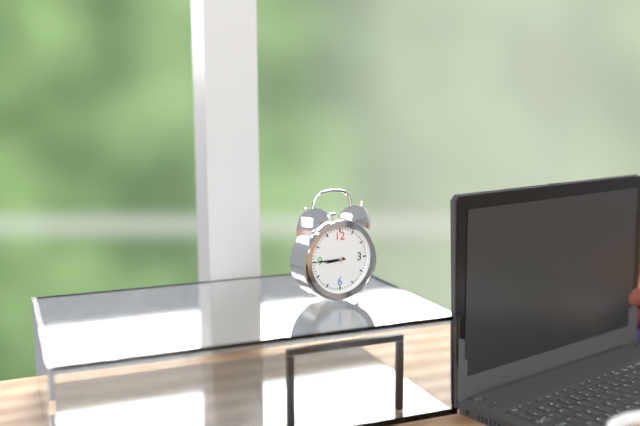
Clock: 8.45
